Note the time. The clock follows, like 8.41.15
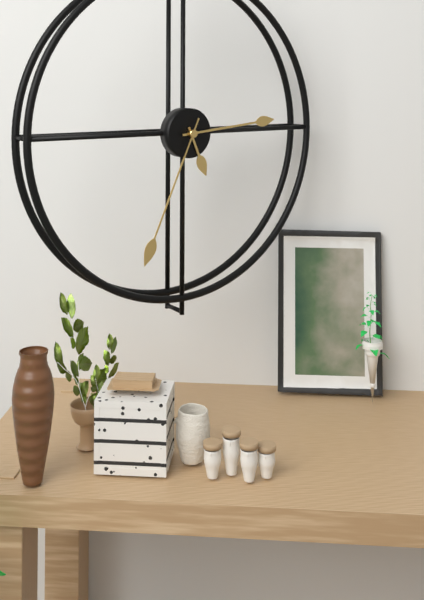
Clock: 5.14.34
